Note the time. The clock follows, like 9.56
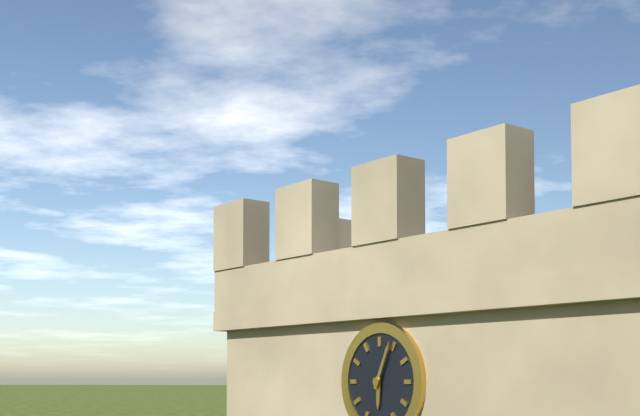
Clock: 6.04
